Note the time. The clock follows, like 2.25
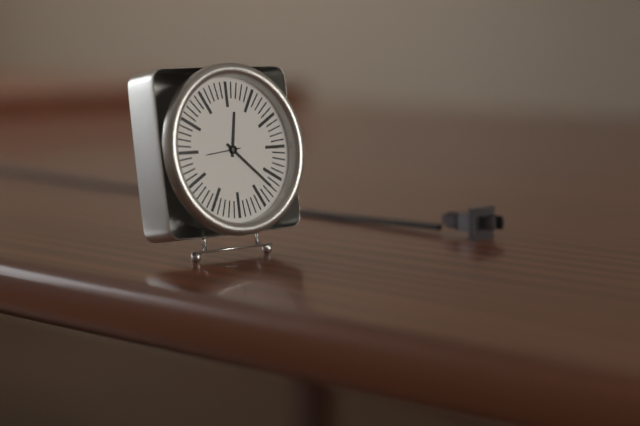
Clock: 12.22
